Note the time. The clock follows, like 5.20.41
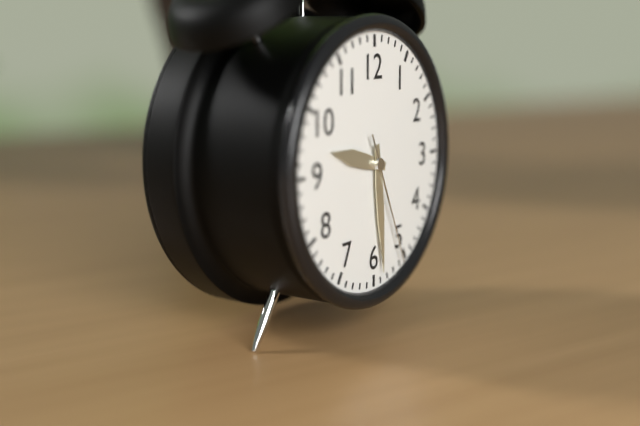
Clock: 9.29.26
